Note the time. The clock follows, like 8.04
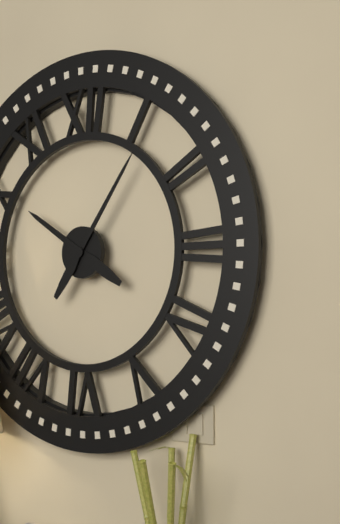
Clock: 10.06
